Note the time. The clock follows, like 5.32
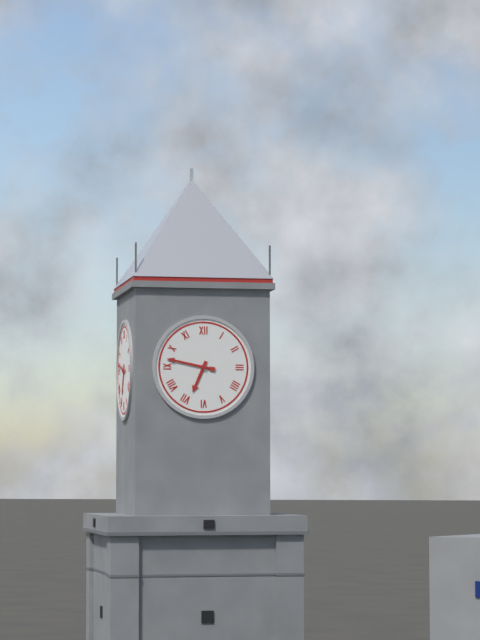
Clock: 6.47
